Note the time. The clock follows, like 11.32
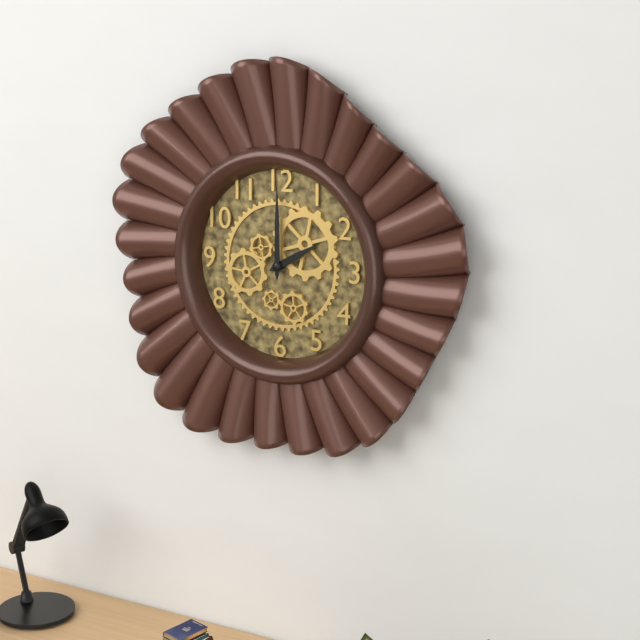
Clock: 2.00
